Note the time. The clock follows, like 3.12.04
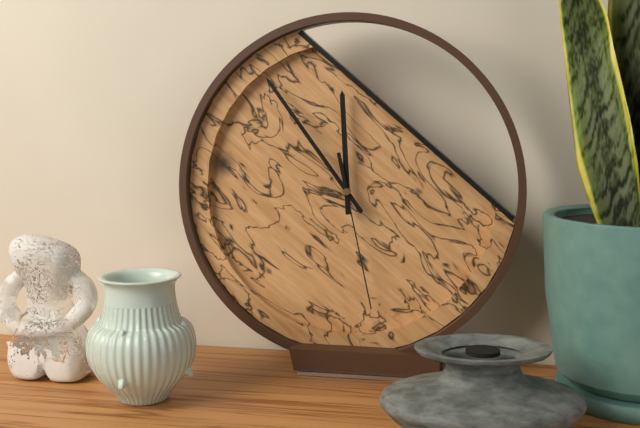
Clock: 11.54.28
